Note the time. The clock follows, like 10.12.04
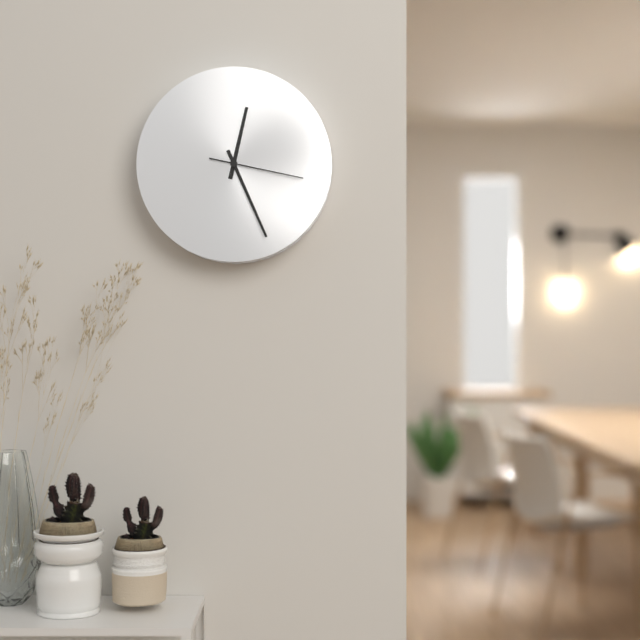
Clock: 12.26.17
